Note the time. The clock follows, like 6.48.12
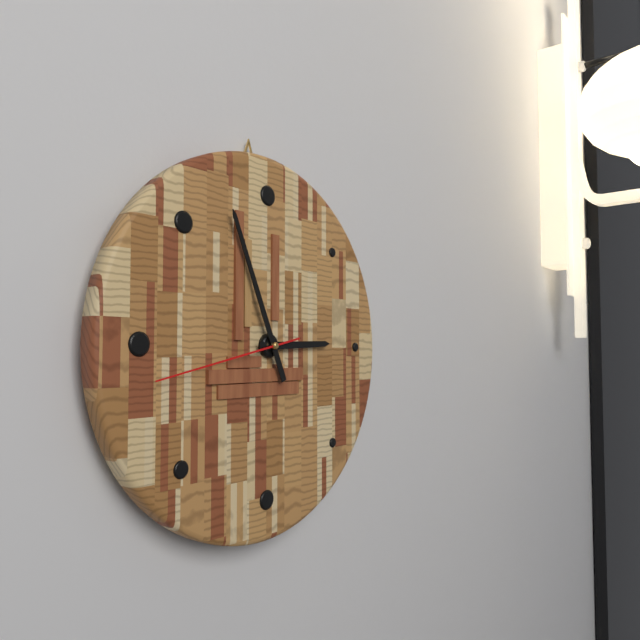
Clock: 2.56.43
